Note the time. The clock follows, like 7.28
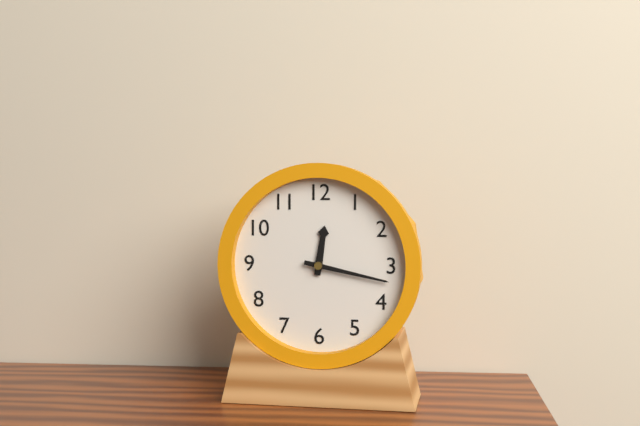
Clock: 12.17
